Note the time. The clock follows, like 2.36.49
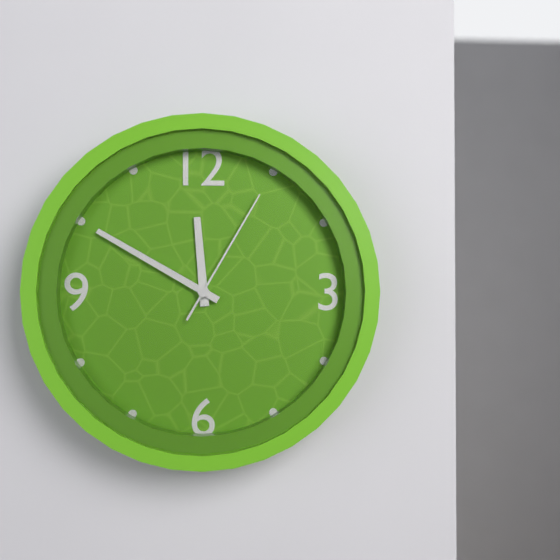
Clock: 11.50.05
